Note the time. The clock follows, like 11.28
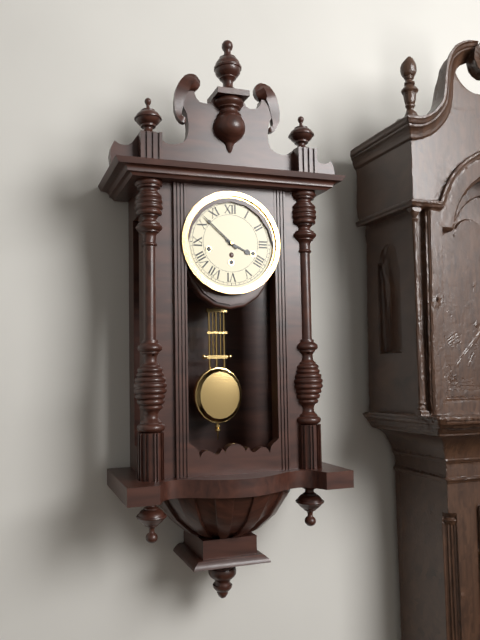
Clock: 3.52
